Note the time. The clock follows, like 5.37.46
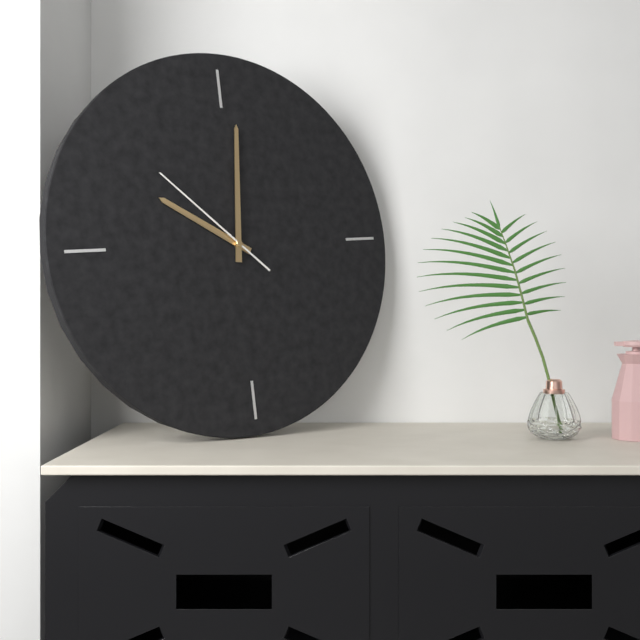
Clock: 10.01.52
